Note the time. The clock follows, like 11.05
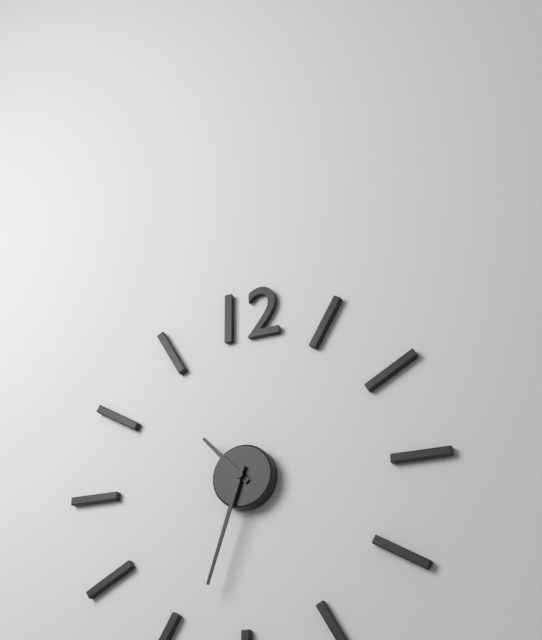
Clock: 10.33
